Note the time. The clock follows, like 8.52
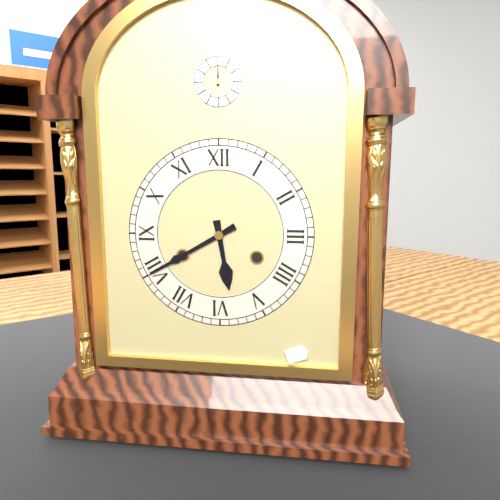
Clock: 5.40
